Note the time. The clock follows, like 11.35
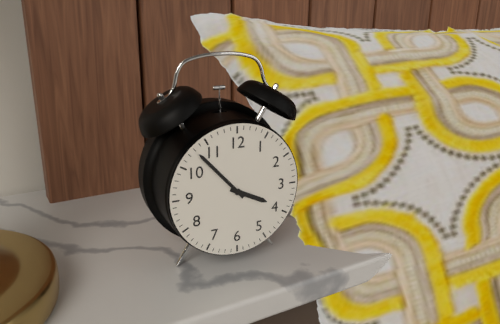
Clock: 3.53
